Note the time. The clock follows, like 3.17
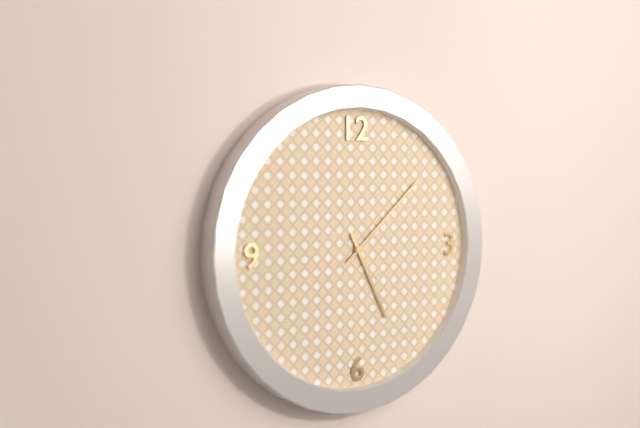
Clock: 5.08
